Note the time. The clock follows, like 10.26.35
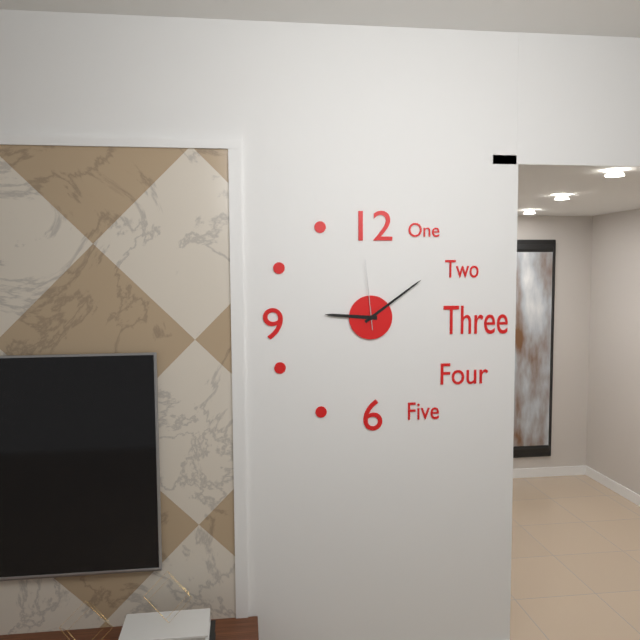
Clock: 9.09.59
